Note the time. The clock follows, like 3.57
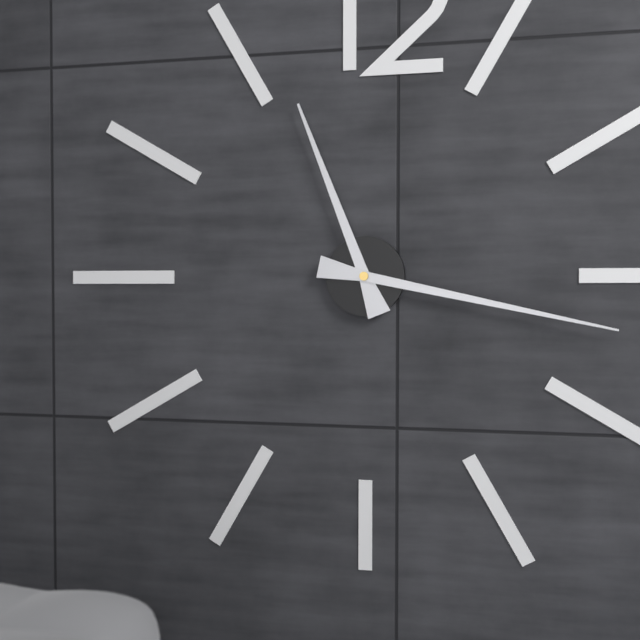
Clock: 11.17
